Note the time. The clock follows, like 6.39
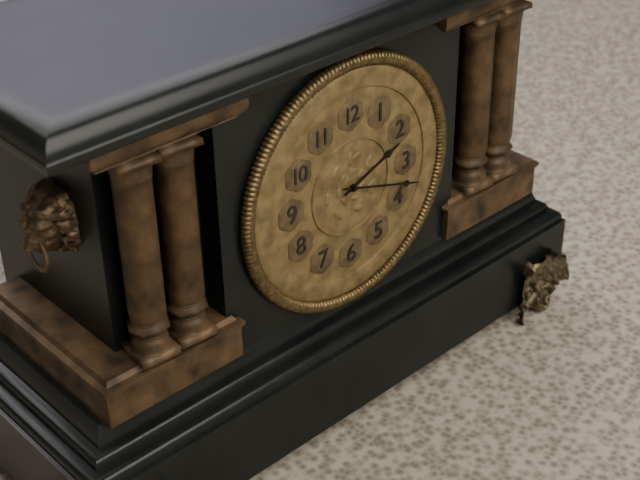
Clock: 2.18
